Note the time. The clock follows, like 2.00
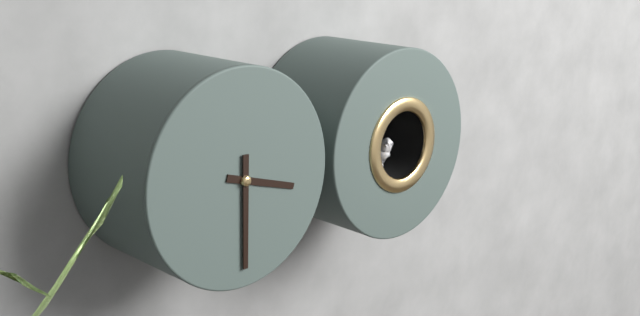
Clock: 3.30
